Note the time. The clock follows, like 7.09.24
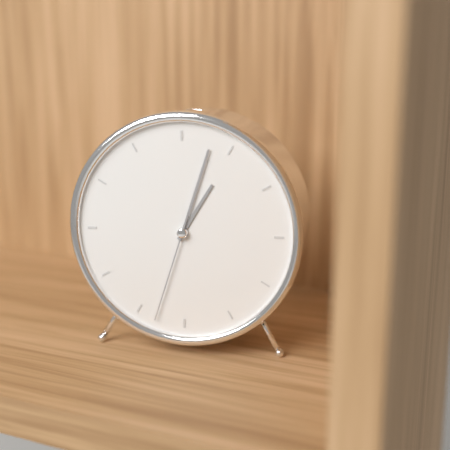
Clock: 1.03.33
